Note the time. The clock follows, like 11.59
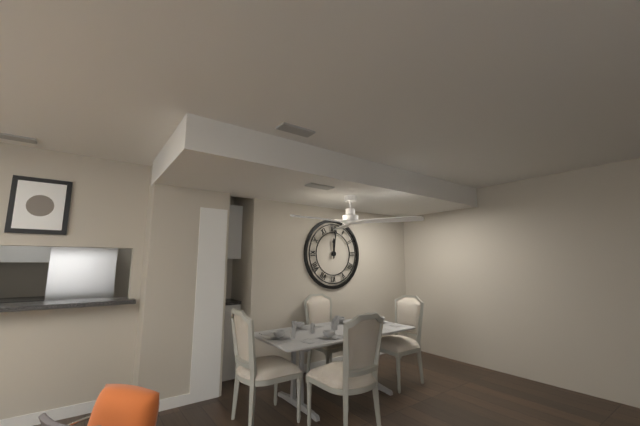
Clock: 12.01
